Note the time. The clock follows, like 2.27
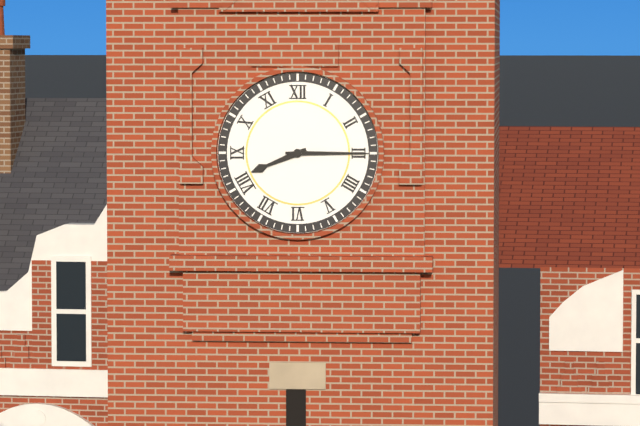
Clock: 8.15
